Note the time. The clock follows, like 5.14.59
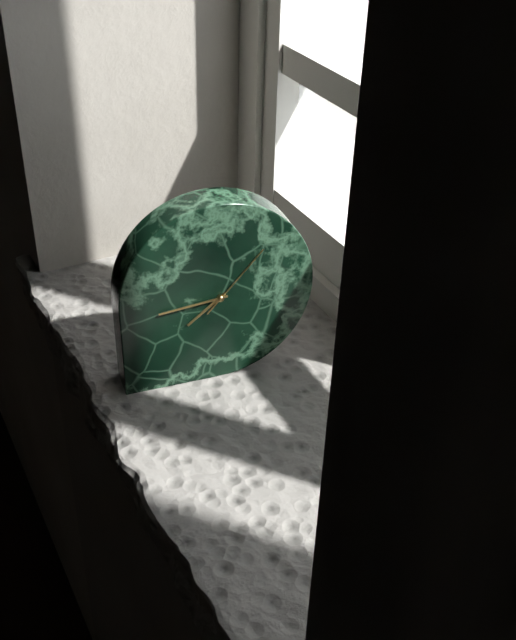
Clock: 7.44.07
